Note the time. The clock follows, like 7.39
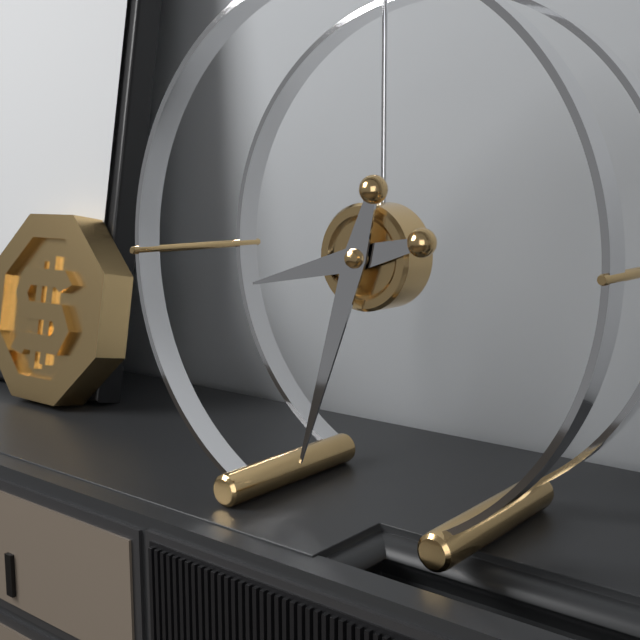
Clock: 8.33
